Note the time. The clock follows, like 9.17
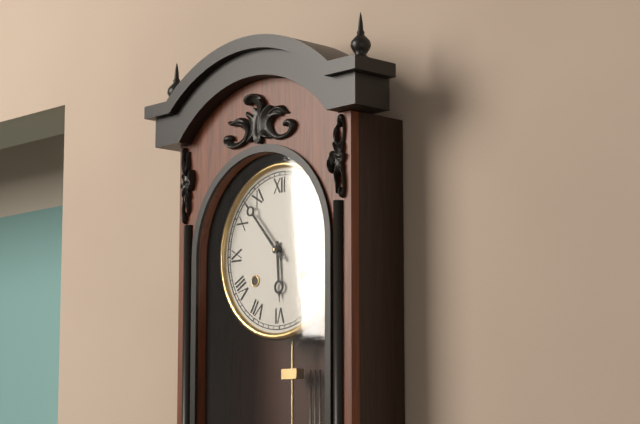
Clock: 5.53
